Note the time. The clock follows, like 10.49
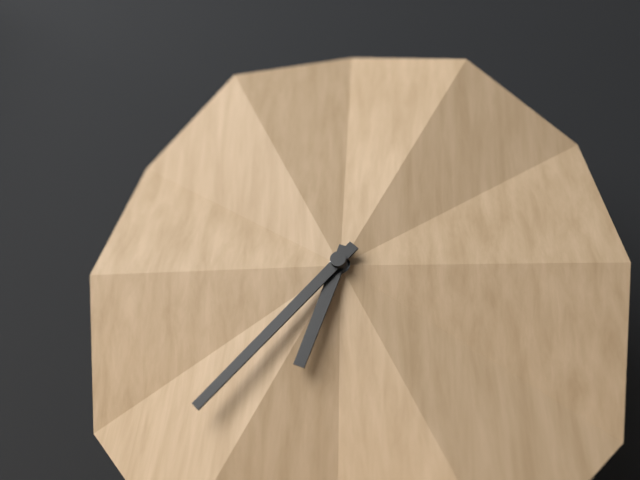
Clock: 6.37
